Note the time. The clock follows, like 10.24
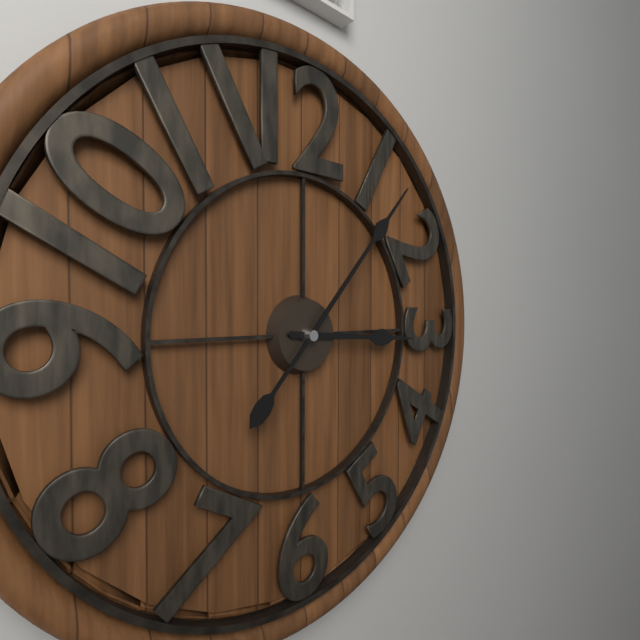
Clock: 3.07
